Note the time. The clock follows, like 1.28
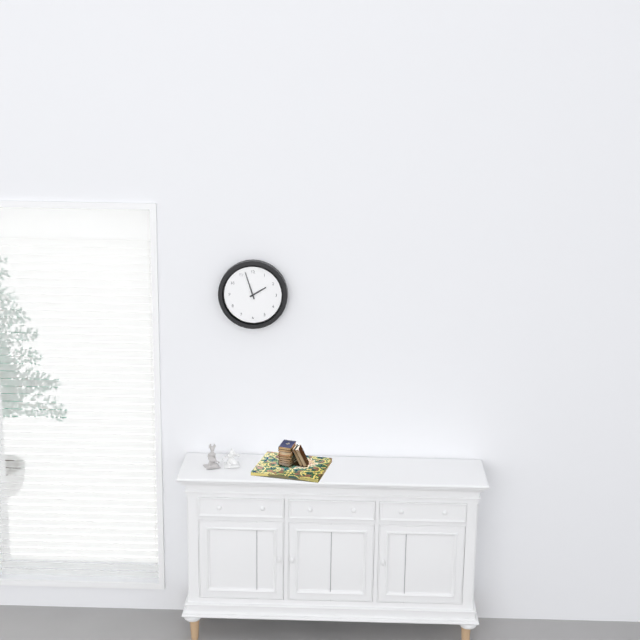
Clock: 1.57
